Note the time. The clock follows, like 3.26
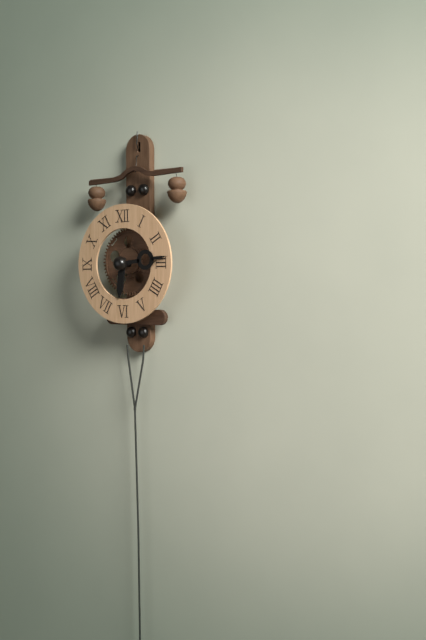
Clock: 6.14
